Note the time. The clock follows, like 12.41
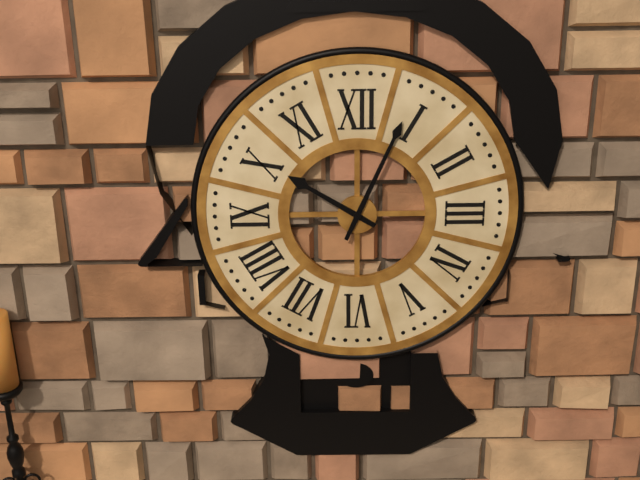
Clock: 10.04
